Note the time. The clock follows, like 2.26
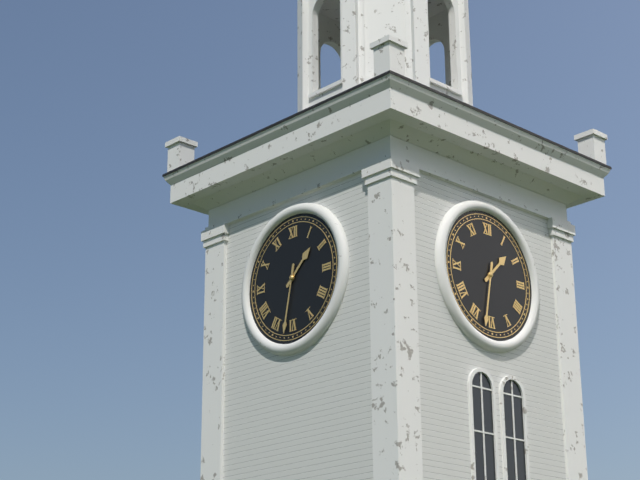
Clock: 1.32
